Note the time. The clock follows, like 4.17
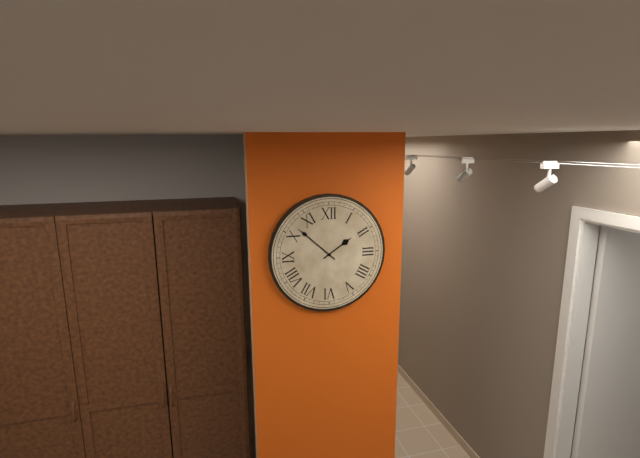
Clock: 1.52
